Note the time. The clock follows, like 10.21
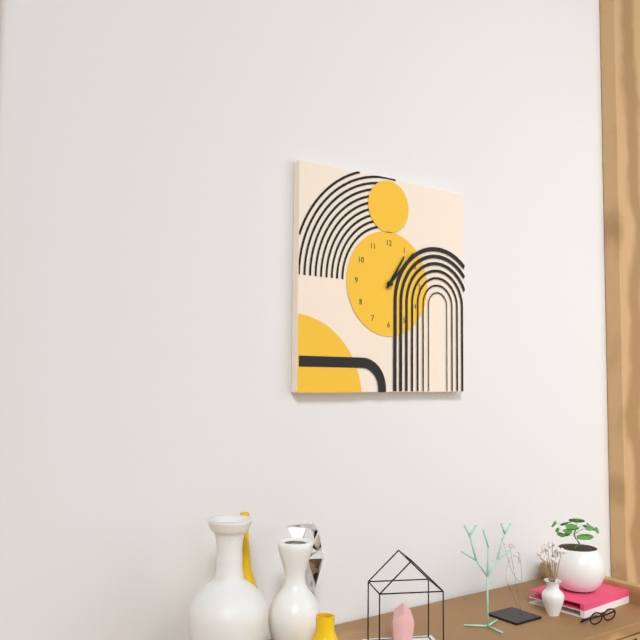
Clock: 1.07
